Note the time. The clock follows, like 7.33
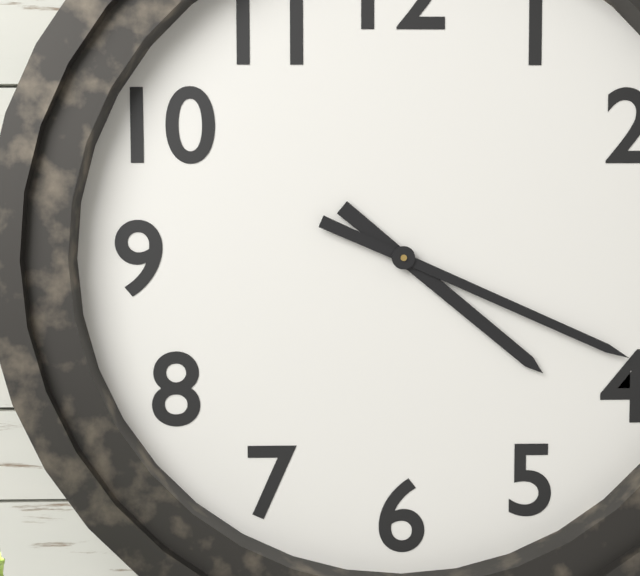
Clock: 4.19
